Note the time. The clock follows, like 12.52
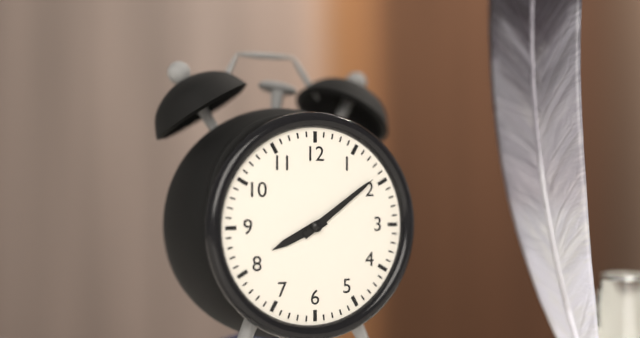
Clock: 8.09
